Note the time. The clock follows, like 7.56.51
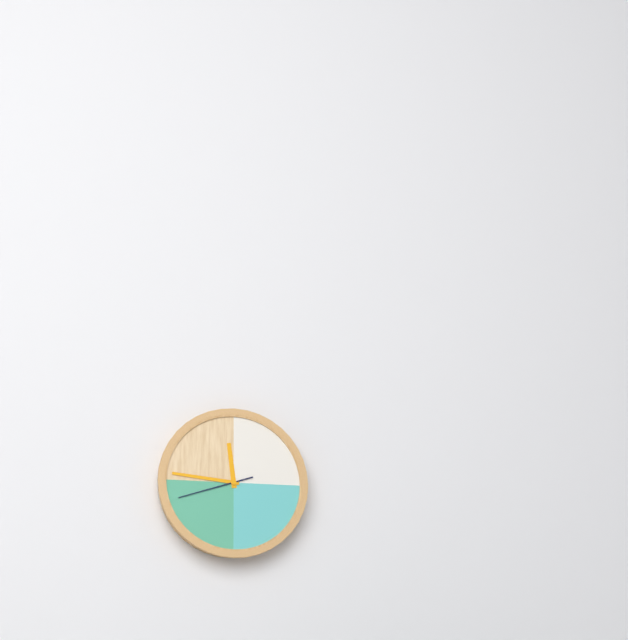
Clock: 11.46.42
